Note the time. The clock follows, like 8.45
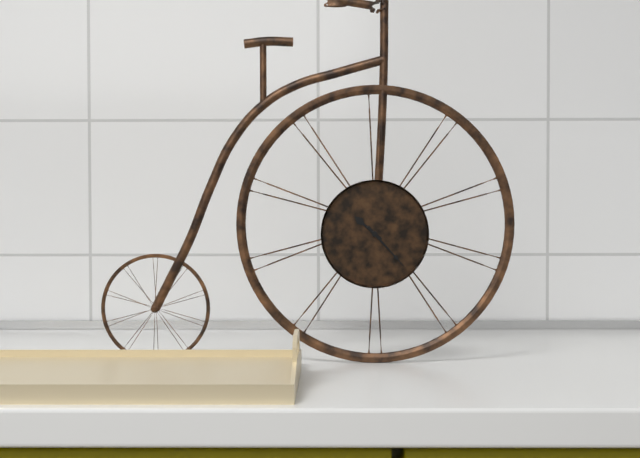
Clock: 10.23
